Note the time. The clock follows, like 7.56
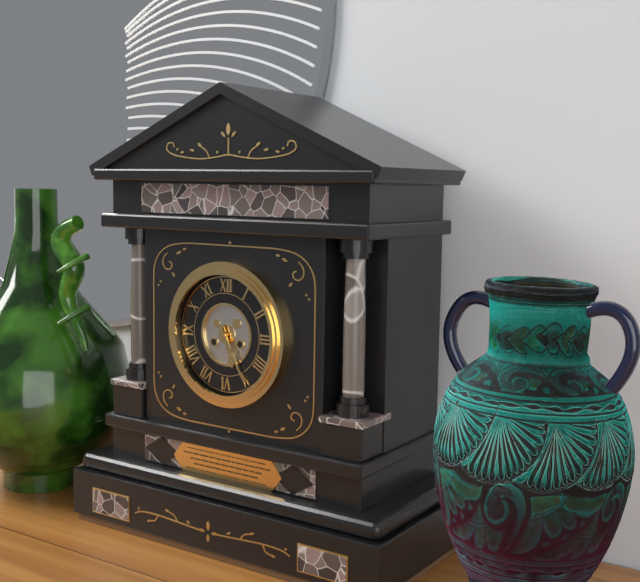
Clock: 5.25
